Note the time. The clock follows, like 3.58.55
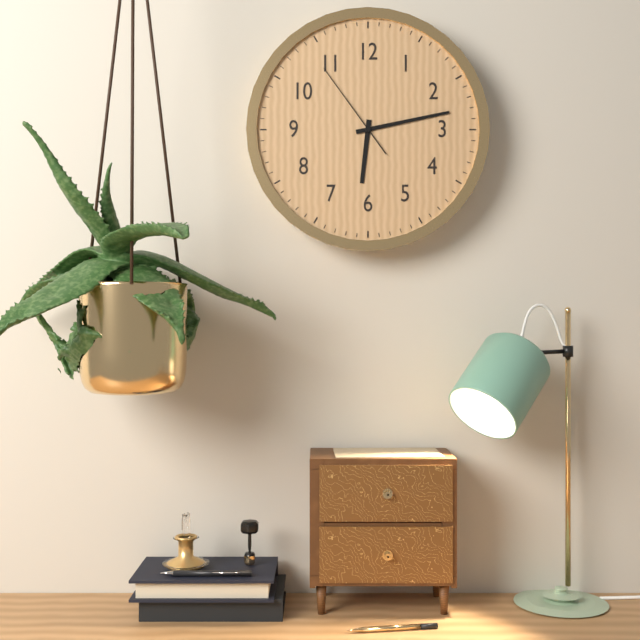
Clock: 6.13.54
